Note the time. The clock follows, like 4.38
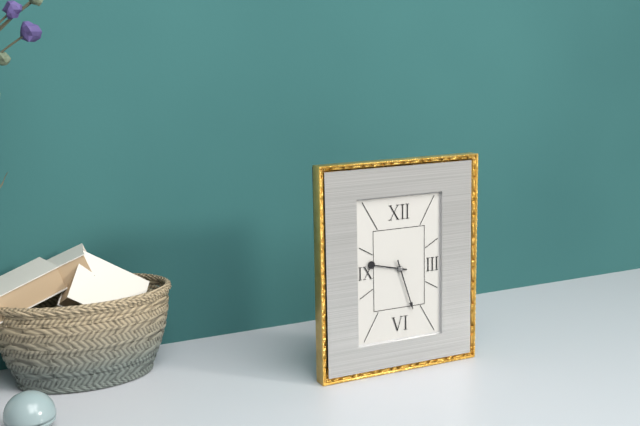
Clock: 9.27
